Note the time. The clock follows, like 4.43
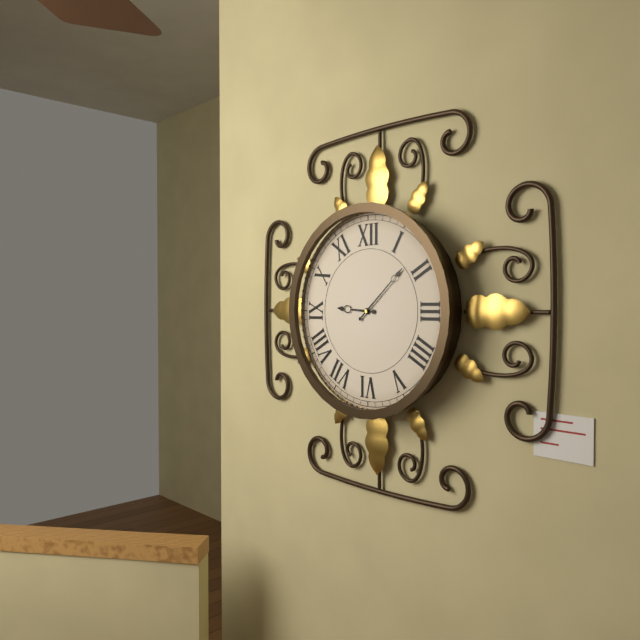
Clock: 9.08
